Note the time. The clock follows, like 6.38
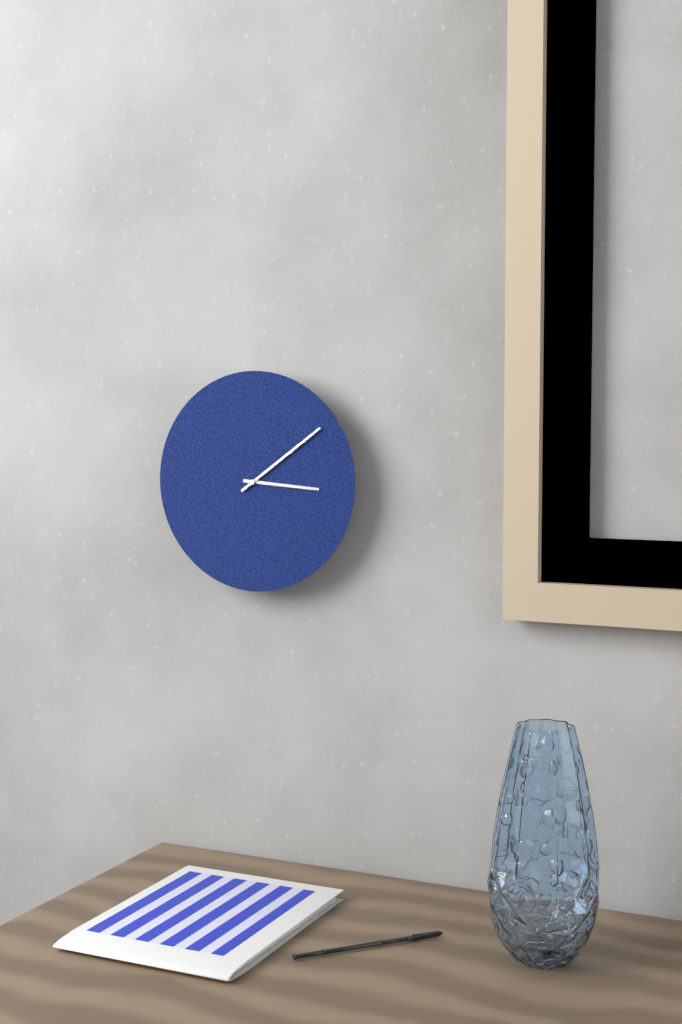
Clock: 3.09
